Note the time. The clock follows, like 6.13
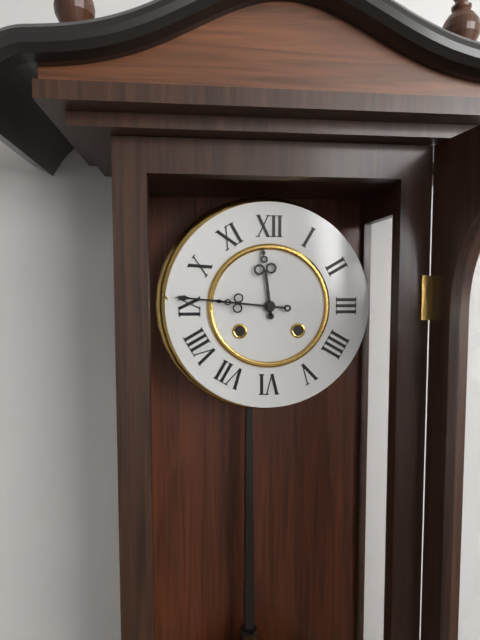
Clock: 11.46
